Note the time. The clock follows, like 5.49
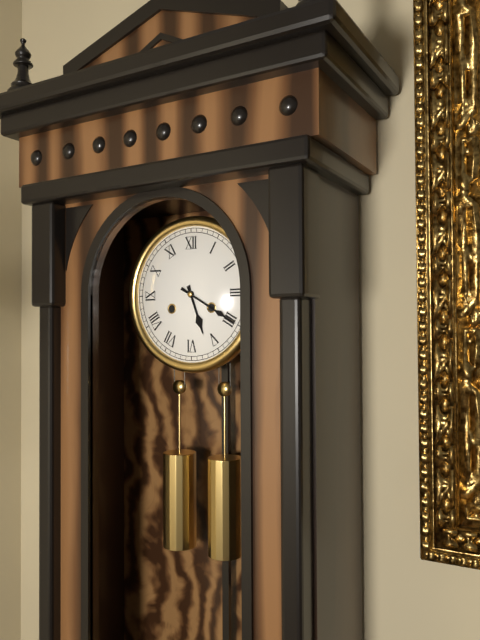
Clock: 5.20
